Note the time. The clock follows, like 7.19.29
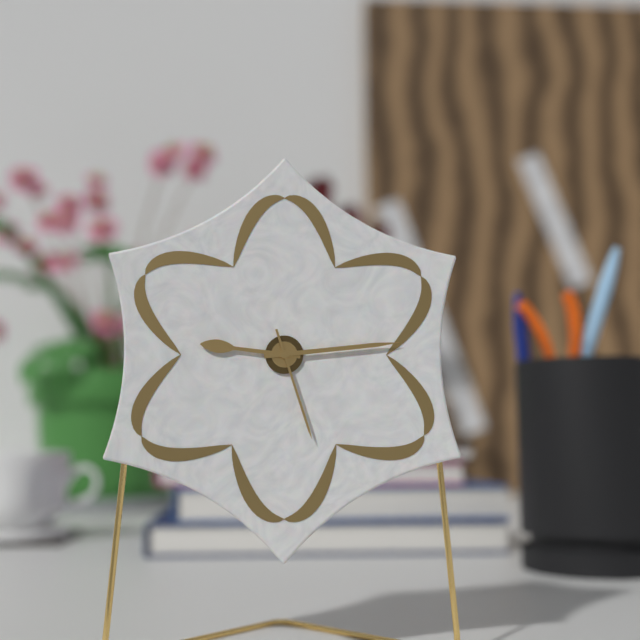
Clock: 9.14.27
